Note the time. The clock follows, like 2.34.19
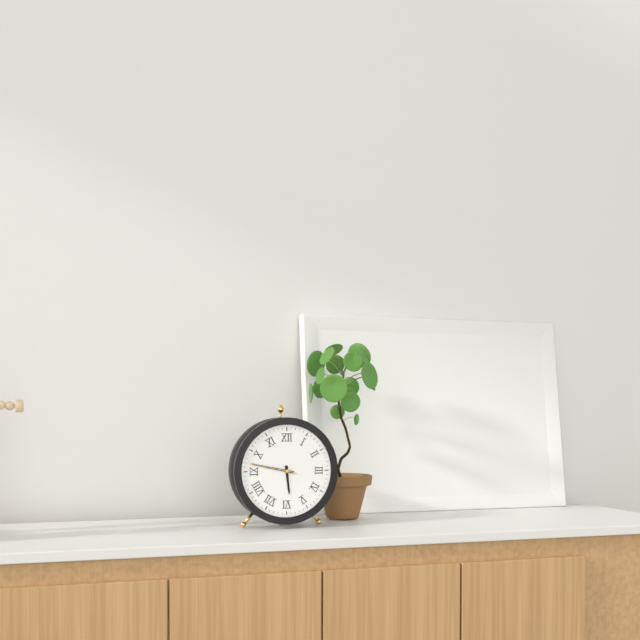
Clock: 5.47.47
